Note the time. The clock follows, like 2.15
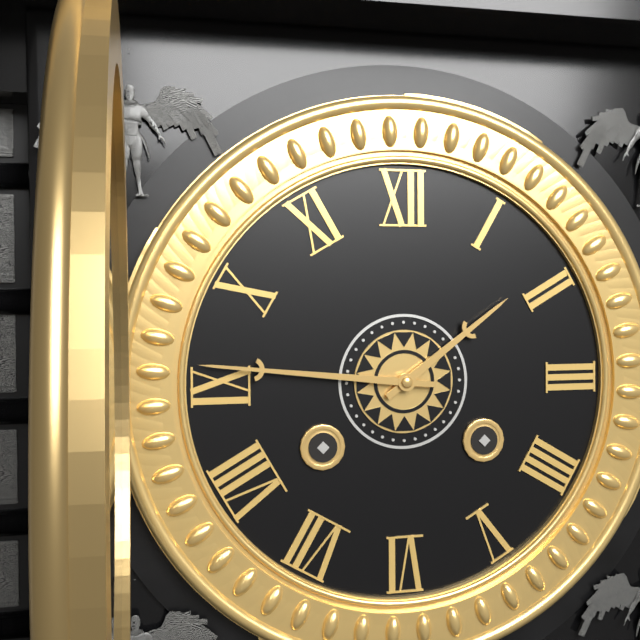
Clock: 1.46
